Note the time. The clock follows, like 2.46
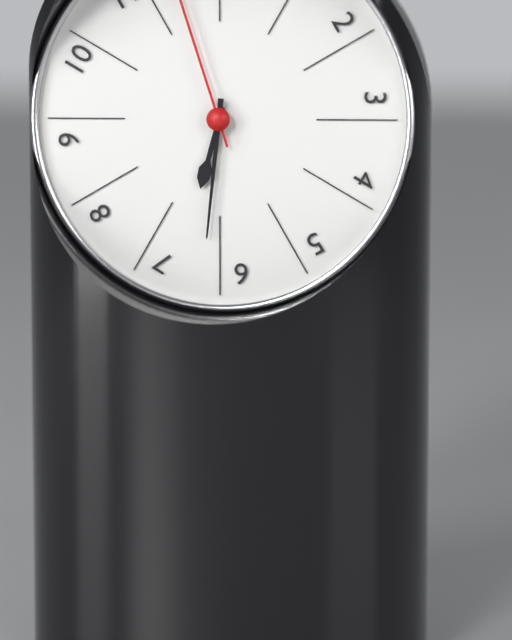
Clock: 6.31
